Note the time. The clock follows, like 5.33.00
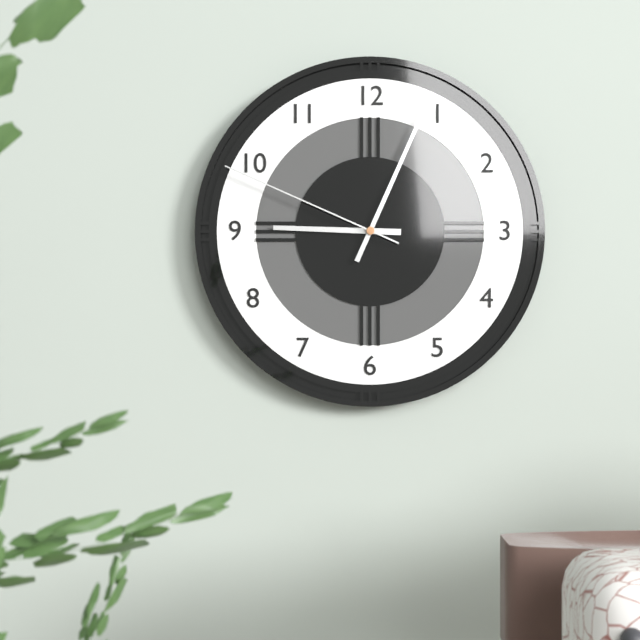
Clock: 9.04.49
